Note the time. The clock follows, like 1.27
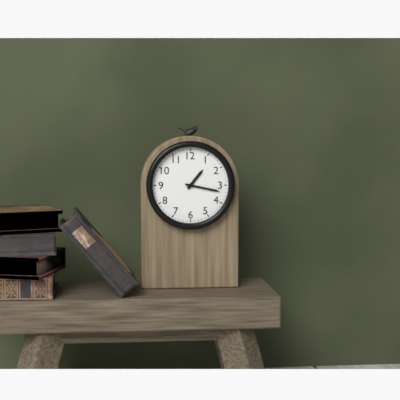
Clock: 1.17
